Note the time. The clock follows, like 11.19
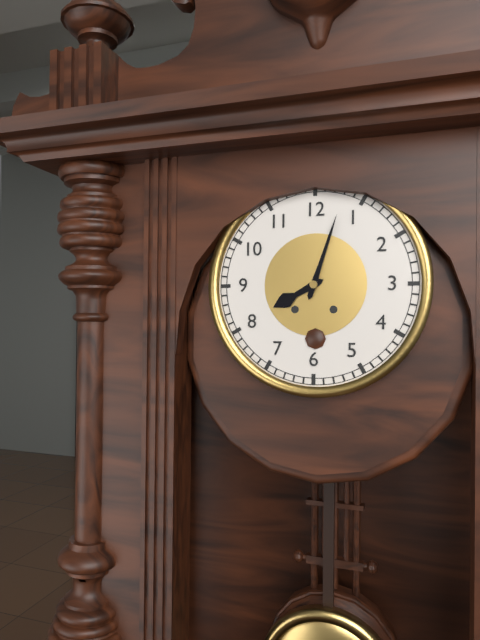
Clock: 8.03
